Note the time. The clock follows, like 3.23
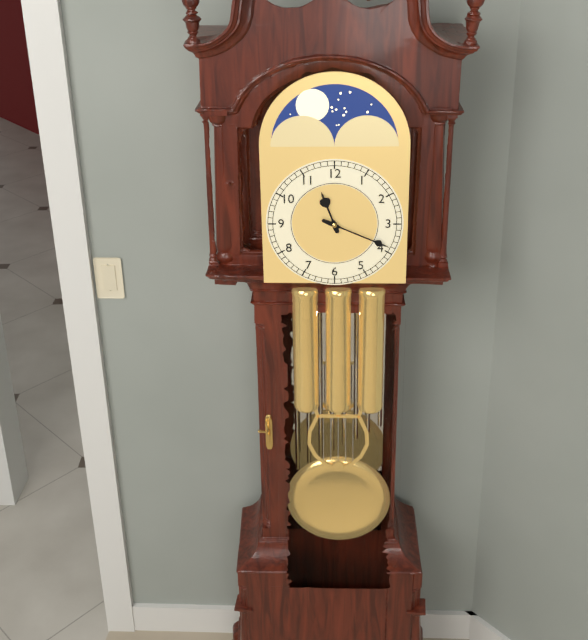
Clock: 11.19
